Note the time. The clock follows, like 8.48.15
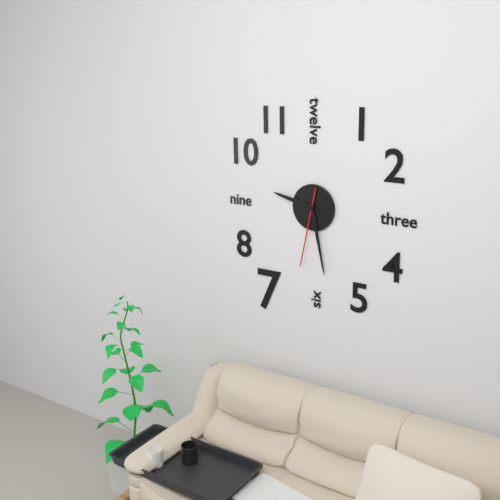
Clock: 9.28.32
